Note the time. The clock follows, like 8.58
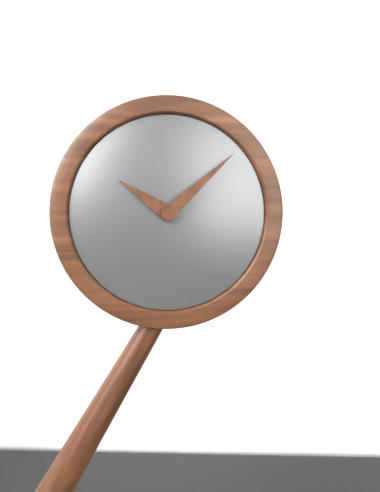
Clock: 10.08
